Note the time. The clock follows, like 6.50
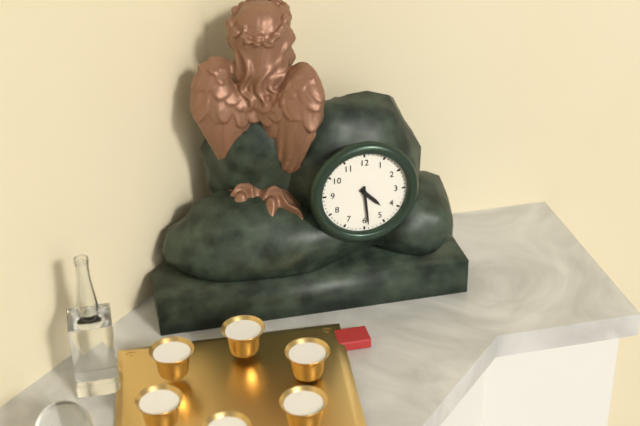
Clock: 4.29
